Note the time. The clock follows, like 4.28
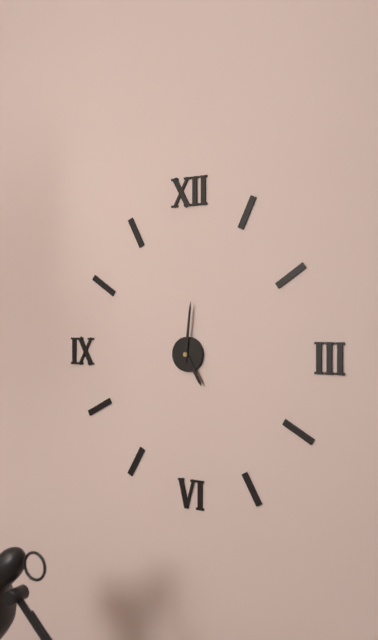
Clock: 5.01
